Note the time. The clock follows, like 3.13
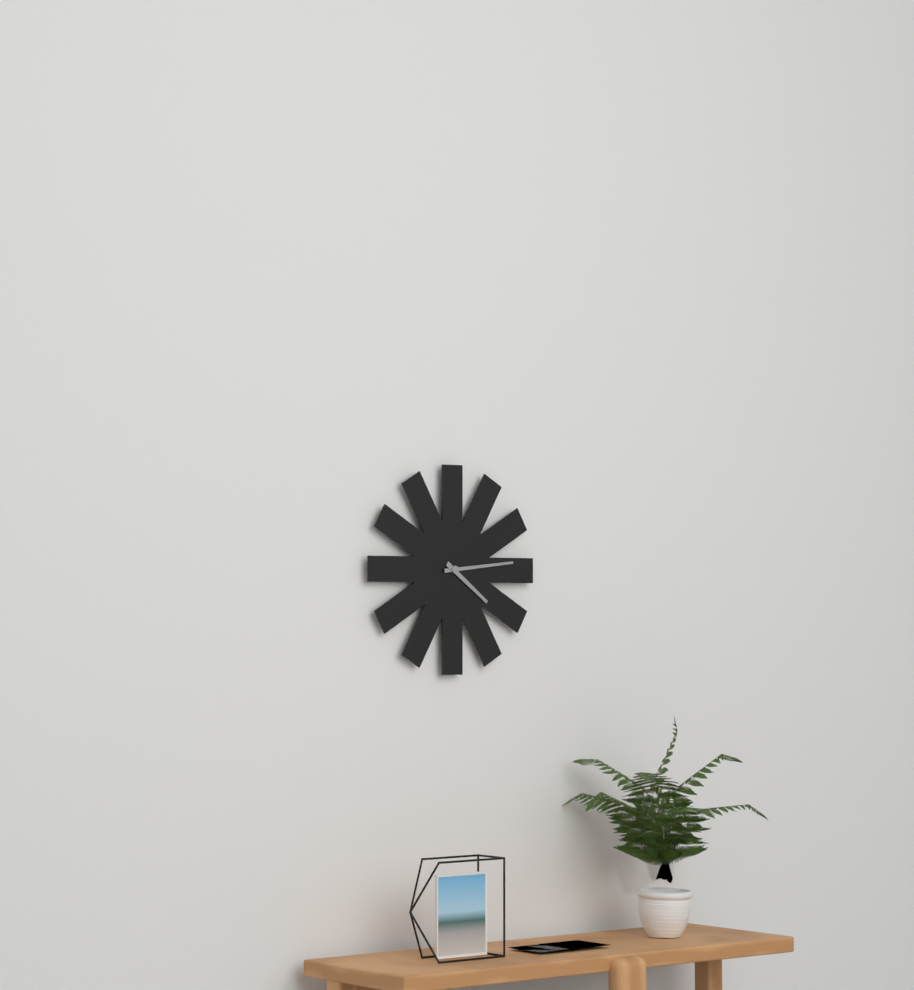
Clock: 4.14
